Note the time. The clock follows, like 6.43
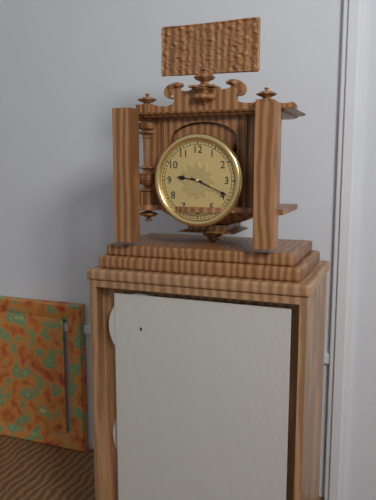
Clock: 9.19
